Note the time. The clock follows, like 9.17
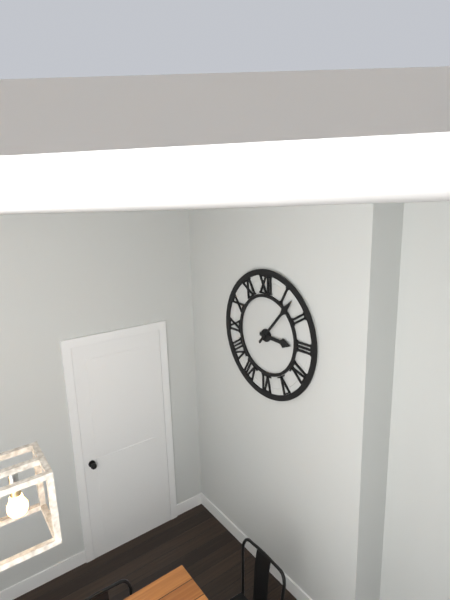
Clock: 3.07
